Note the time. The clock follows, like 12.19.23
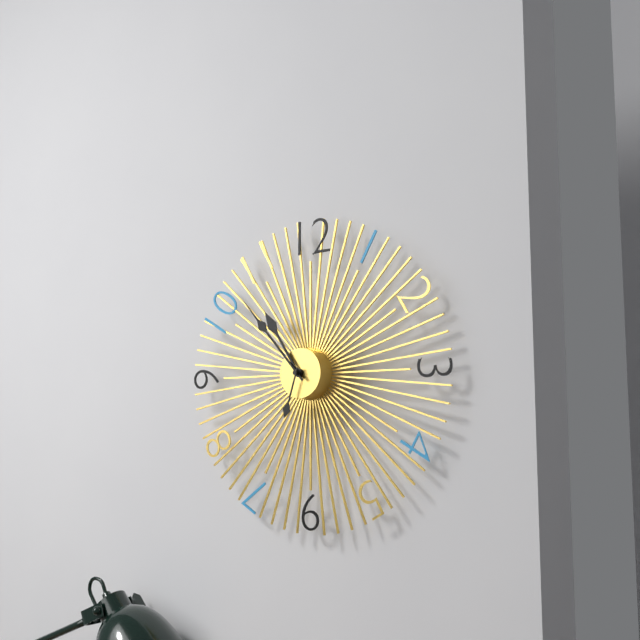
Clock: 10.53.33
